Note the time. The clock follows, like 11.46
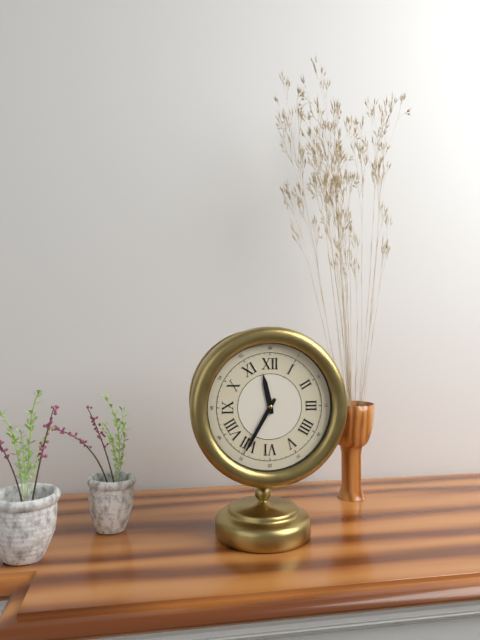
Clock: 11.35
